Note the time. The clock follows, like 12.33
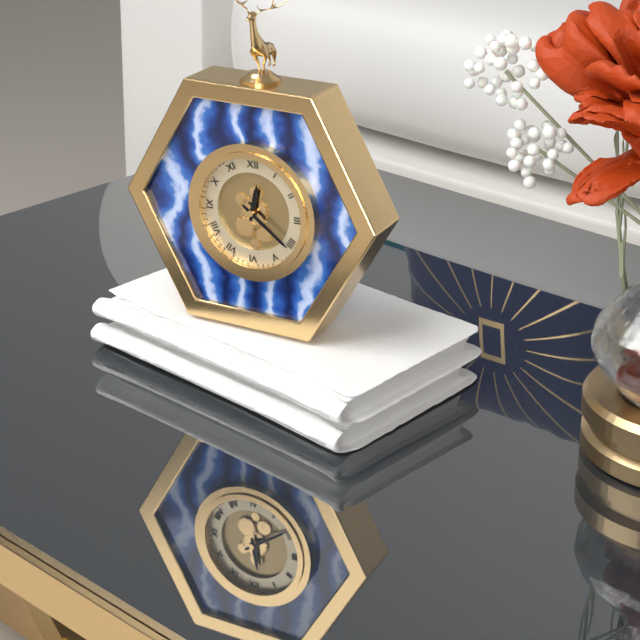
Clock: 12.21
